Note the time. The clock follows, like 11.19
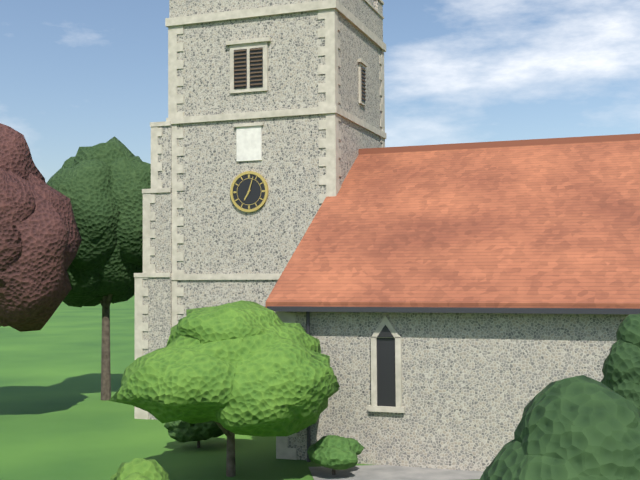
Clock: 7.03
